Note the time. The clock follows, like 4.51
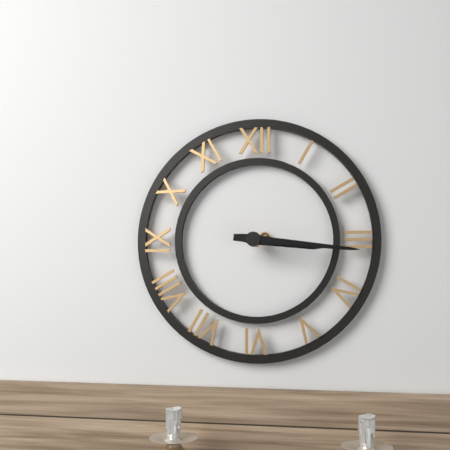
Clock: 3.16
